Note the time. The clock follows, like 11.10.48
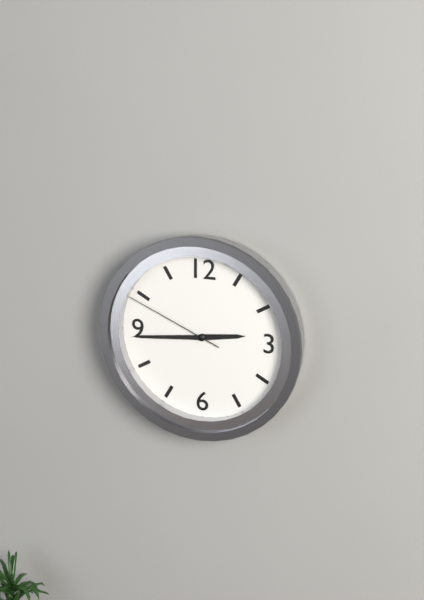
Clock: 2.44.49
